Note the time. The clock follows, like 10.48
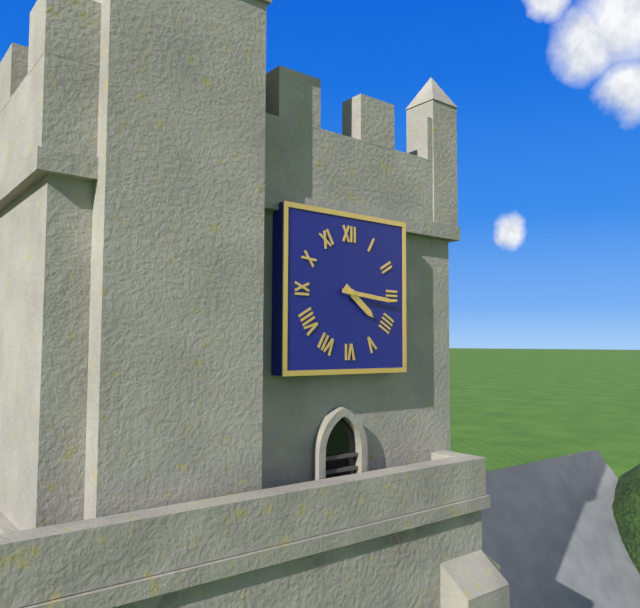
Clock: 4.16
